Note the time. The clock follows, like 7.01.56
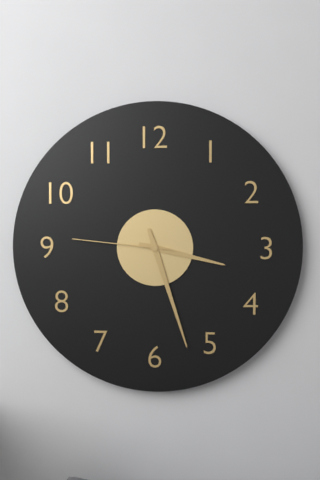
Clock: 3.27.46
